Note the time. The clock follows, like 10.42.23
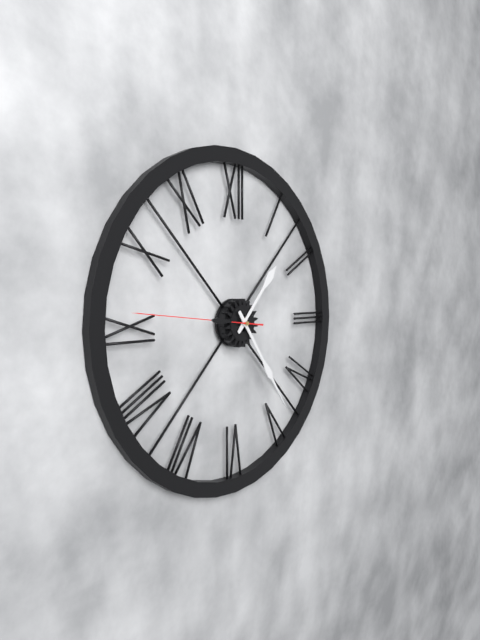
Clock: 1.24.46
